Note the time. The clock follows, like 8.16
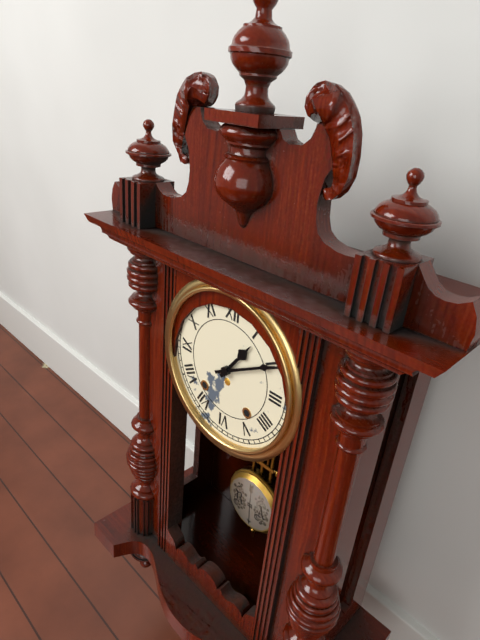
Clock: 1.10
